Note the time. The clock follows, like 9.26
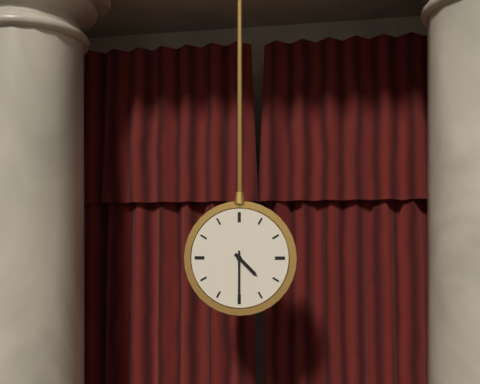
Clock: 4.30
